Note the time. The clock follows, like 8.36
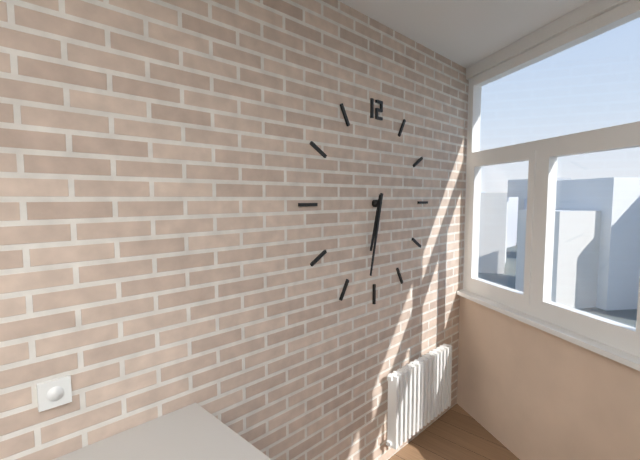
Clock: 6.32
